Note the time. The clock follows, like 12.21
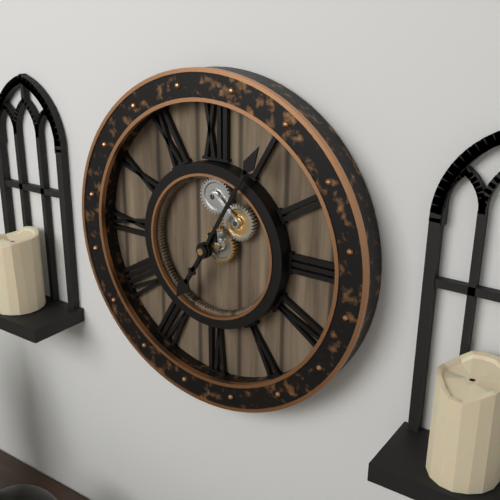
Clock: 7.05
